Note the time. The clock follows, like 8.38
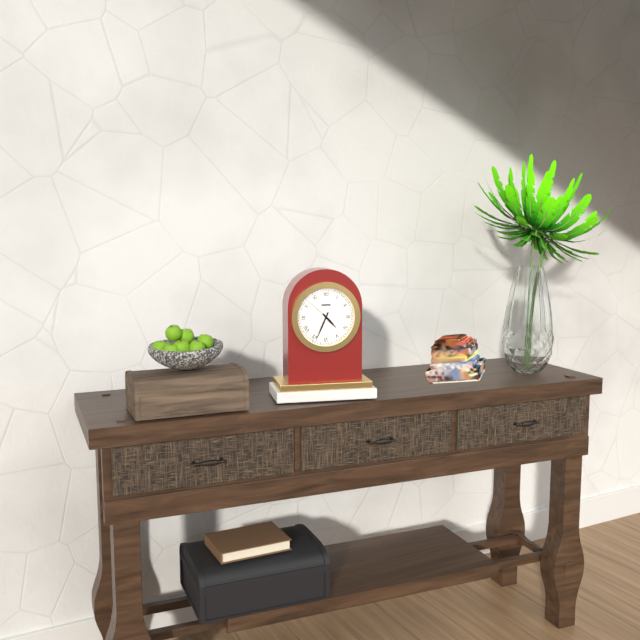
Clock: 4.34
